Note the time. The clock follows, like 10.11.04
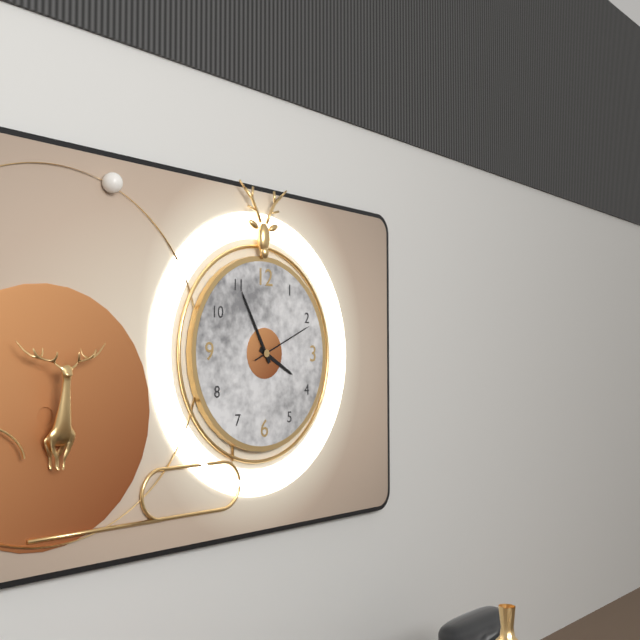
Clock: 3.55.11
